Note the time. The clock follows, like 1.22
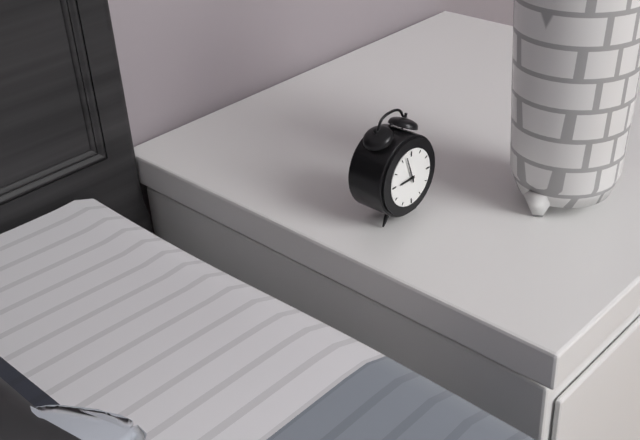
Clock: 8.57
